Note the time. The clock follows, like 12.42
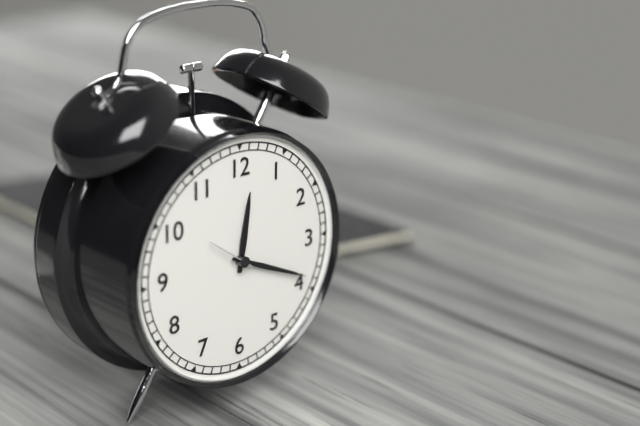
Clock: 12.19
